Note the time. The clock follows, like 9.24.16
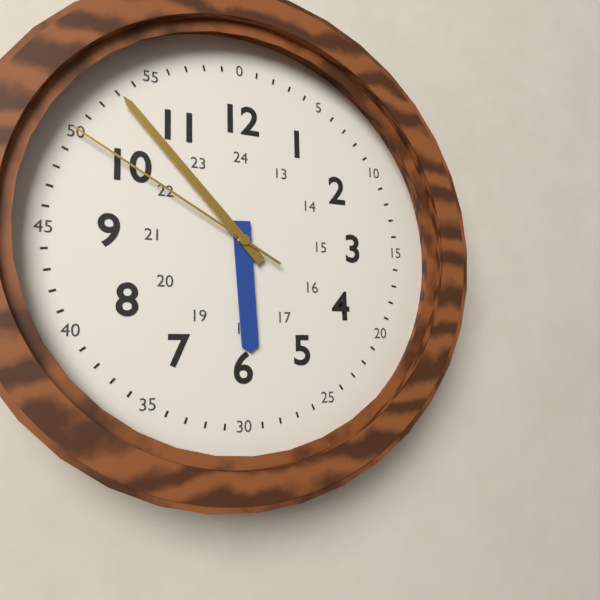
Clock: 5.53.50
